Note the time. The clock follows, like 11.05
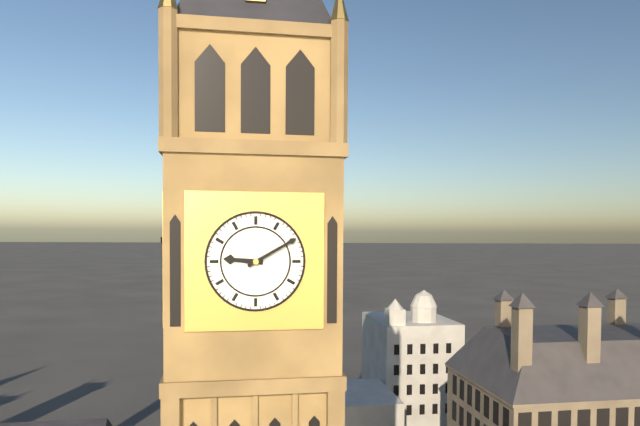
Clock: 9.10
